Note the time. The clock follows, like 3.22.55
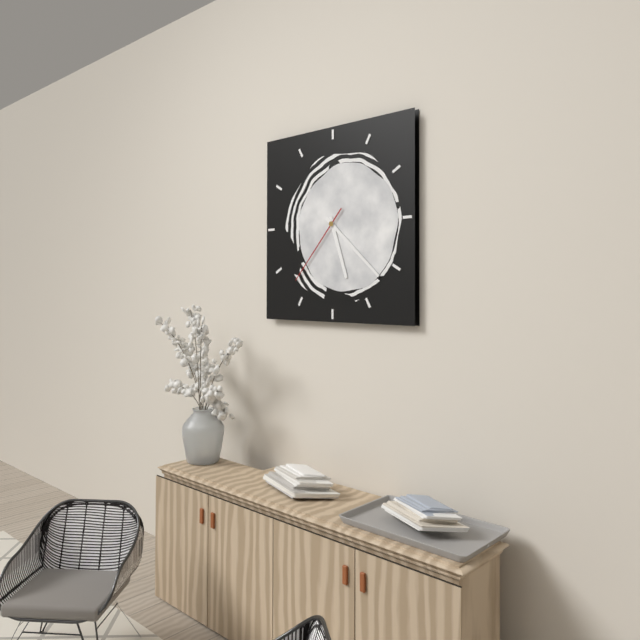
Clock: 5.22.37
